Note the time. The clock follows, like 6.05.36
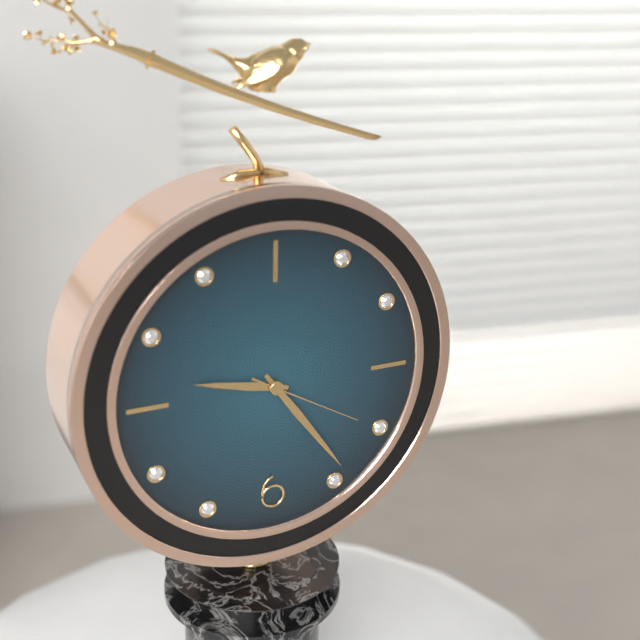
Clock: 9.24.20
